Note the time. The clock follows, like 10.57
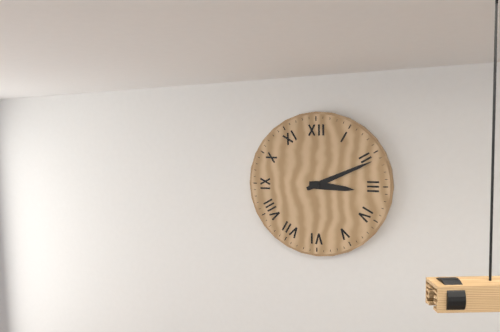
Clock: 3.11
